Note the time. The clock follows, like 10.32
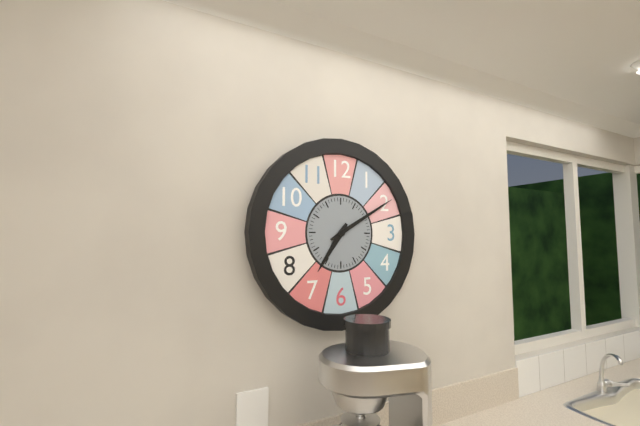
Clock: 7.10
